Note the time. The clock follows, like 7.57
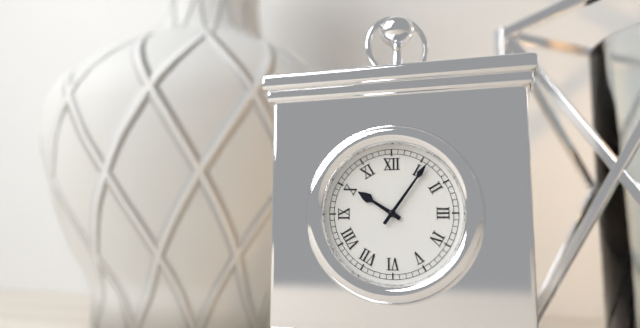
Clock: 10.06
